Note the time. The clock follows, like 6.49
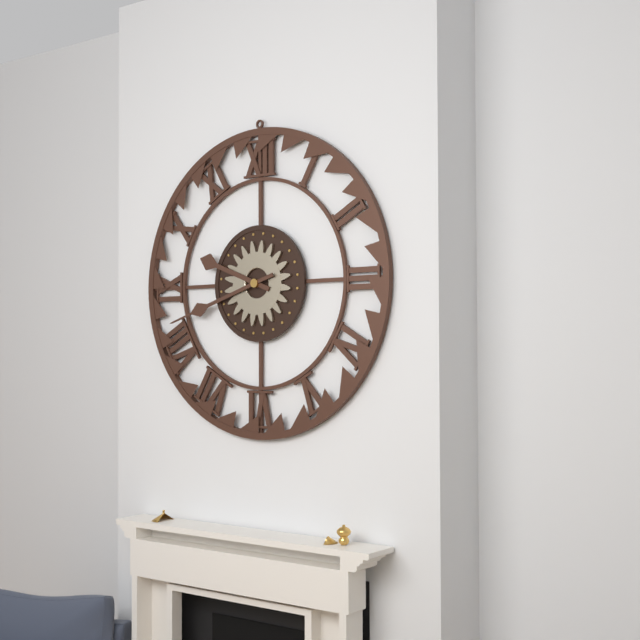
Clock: 9.42
